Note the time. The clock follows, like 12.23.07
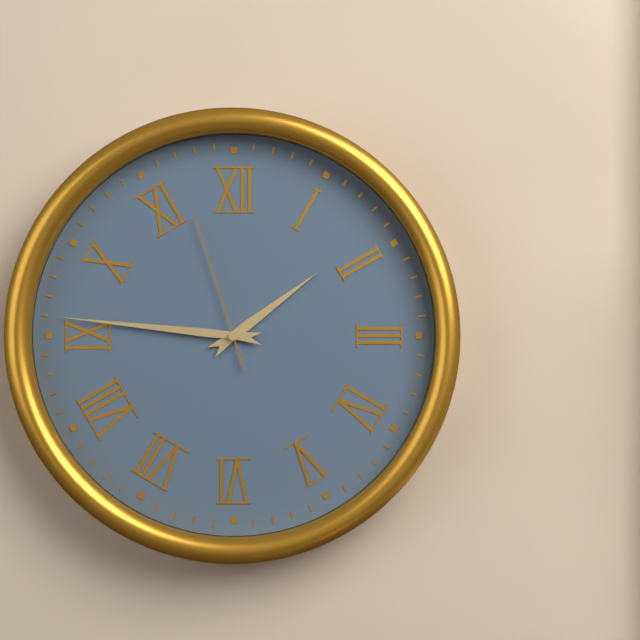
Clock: 1.46.57
